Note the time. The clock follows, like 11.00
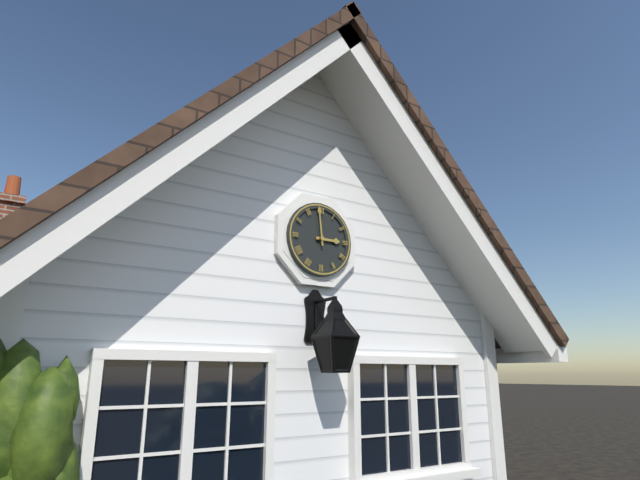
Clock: 2.59
